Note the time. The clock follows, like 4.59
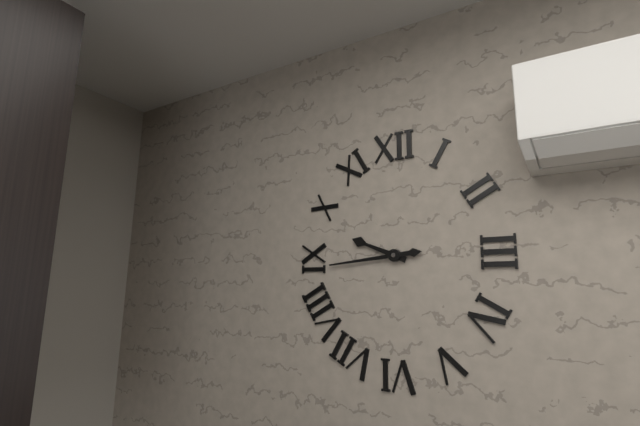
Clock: 9.44
